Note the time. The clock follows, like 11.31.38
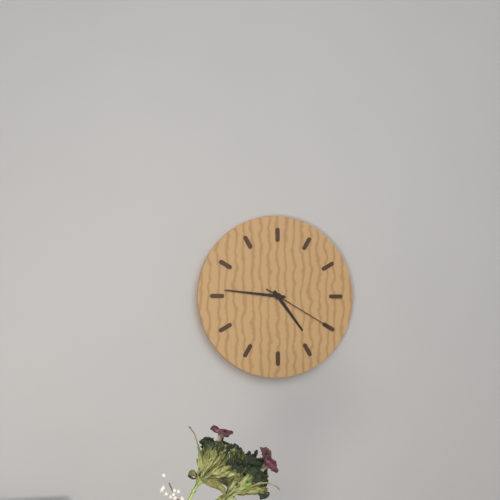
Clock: 4.46.20
